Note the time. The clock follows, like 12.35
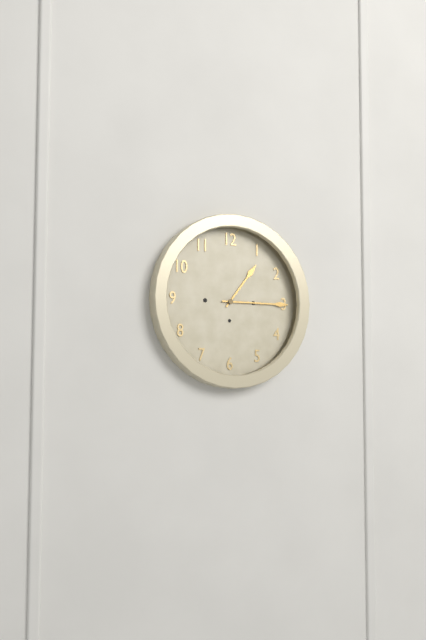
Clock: 1.15
